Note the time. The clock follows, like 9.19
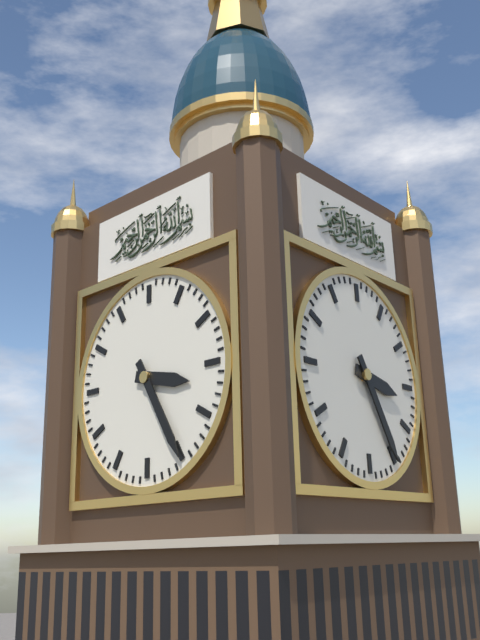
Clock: 3.25
